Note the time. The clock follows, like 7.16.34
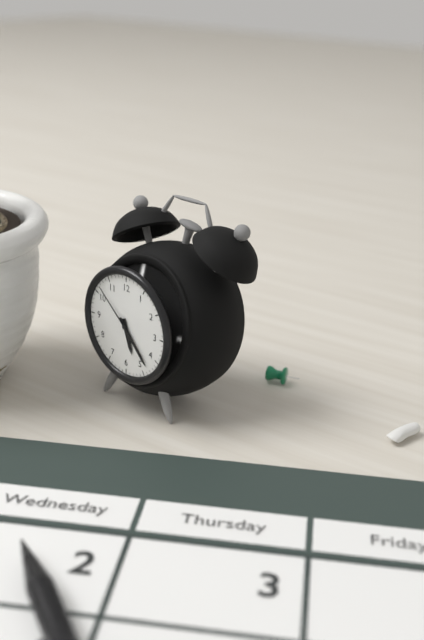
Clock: 5.23.52
